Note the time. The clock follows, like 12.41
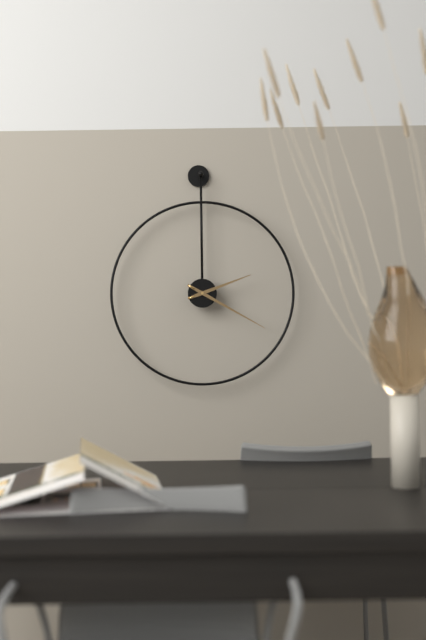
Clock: 2.20
